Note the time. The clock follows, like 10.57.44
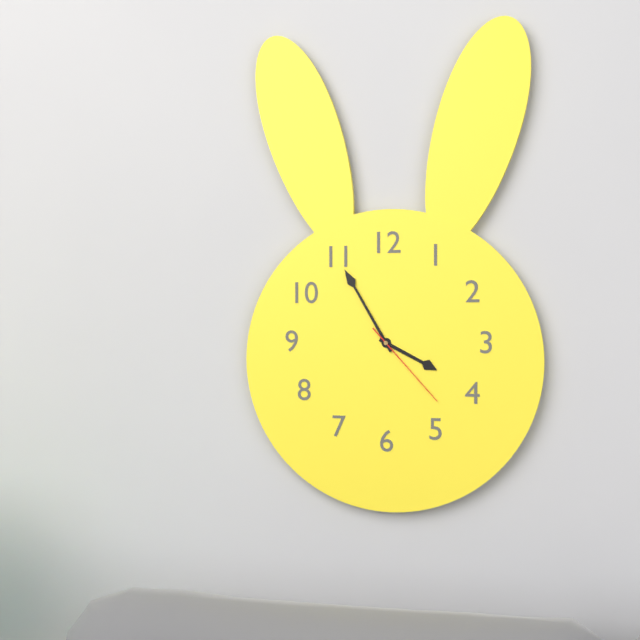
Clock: 3.55.23
